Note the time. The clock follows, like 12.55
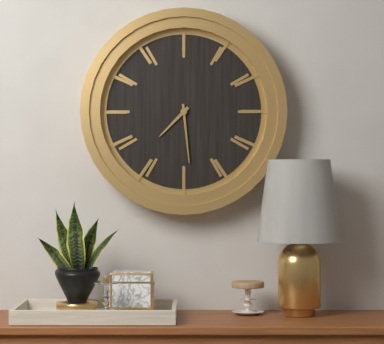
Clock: 7.29
